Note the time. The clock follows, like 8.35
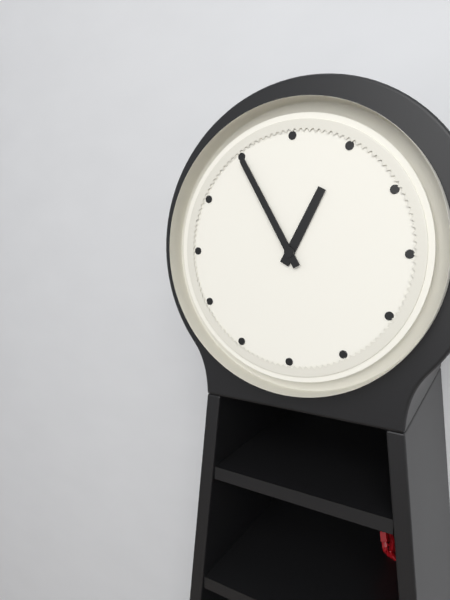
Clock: 12.55
